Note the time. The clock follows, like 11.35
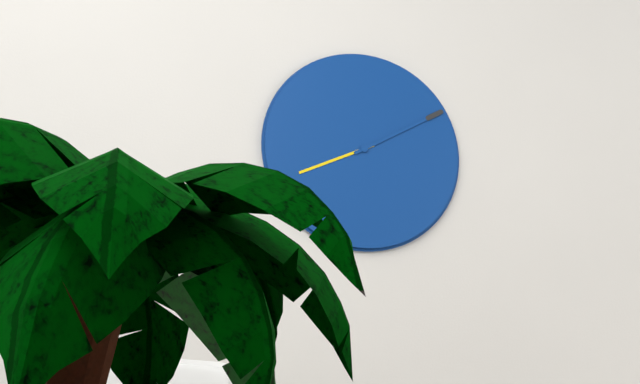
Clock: 8.10
